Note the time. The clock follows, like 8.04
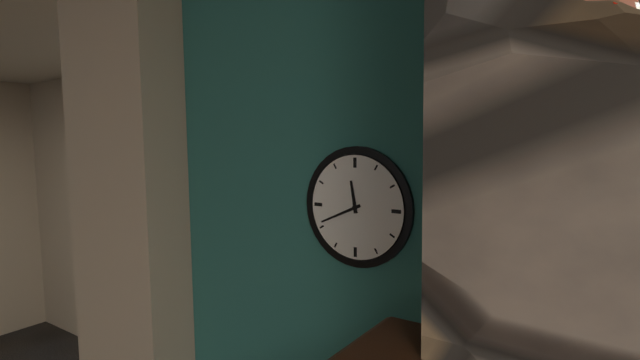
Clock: 11.41
